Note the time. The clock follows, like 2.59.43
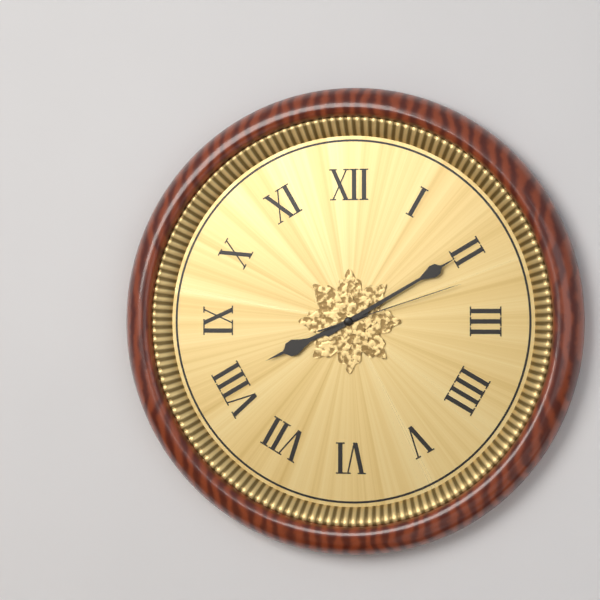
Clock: 8.10.12
